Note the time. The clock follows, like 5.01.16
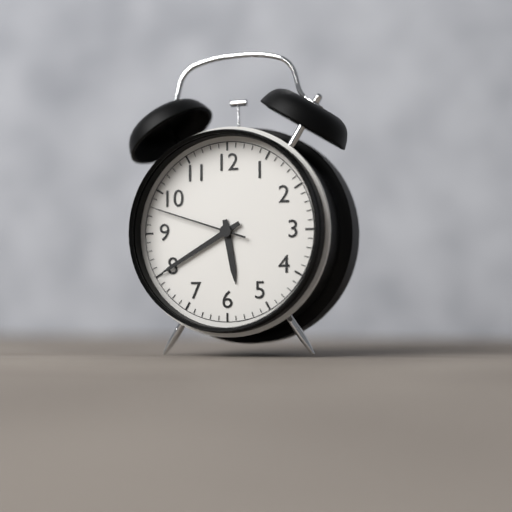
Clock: 5.40.48
